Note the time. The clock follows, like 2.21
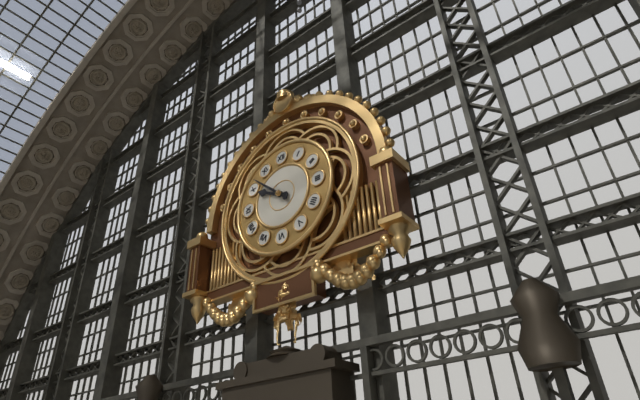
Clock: 9.52
